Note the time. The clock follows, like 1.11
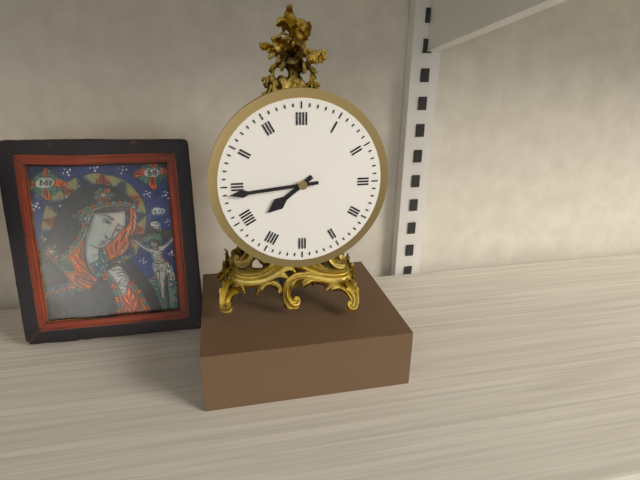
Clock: 7.44
